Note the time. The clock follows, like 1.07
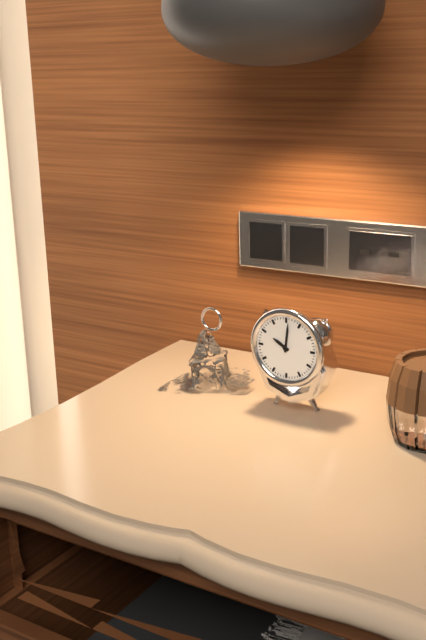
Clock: 10.01
